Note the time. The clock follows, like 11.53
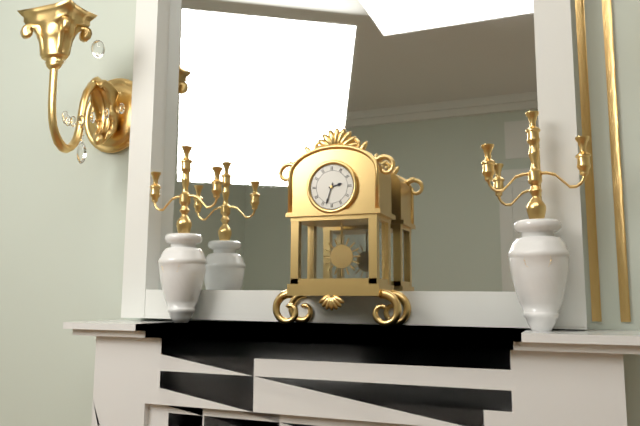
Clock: 2.33
